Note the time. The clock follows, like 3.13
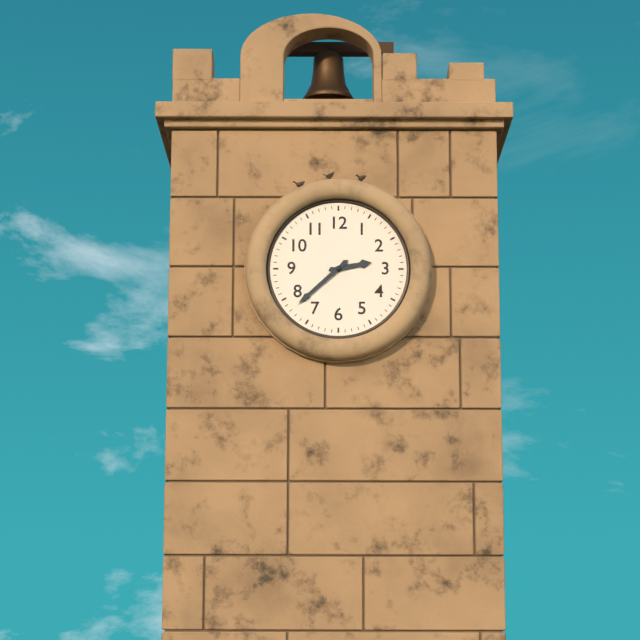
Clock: 2.38
